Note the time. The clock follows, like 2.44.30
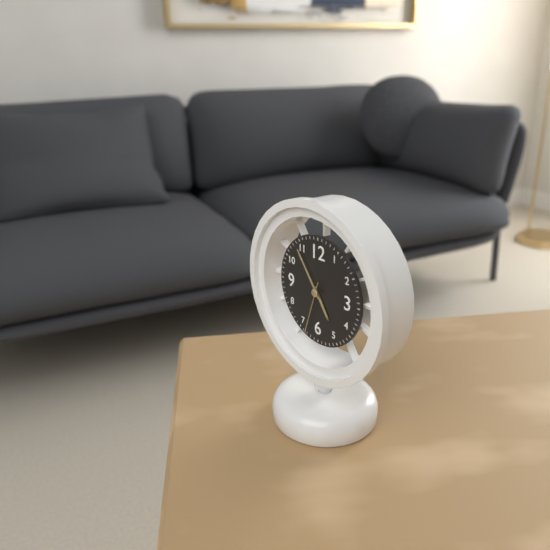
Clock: 4.54.33
